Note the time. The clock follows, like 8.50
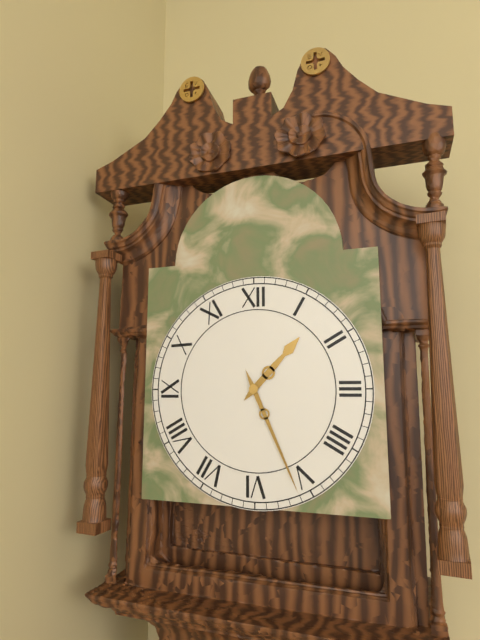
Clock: 1.26
